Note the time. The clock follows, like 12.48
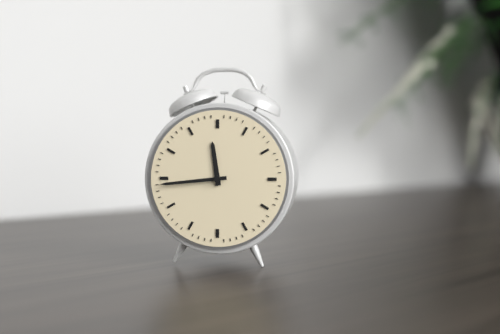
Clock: 11.44
